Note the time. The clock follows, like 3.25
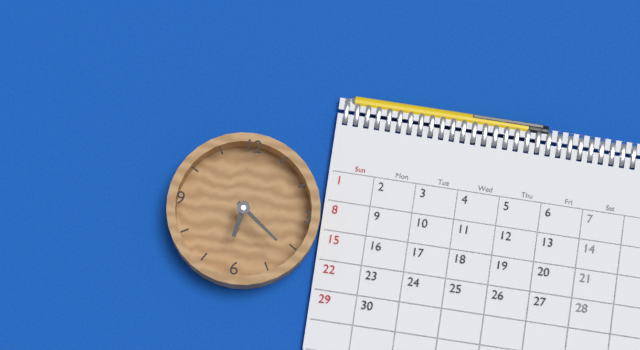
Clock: 6.21
